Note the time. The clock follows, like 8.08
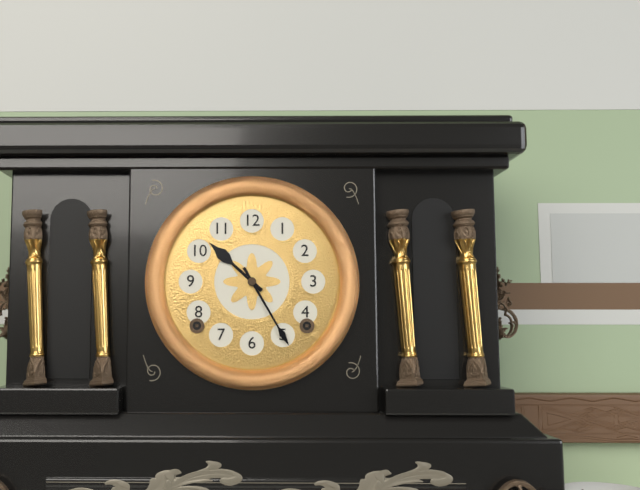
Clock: 10.25
